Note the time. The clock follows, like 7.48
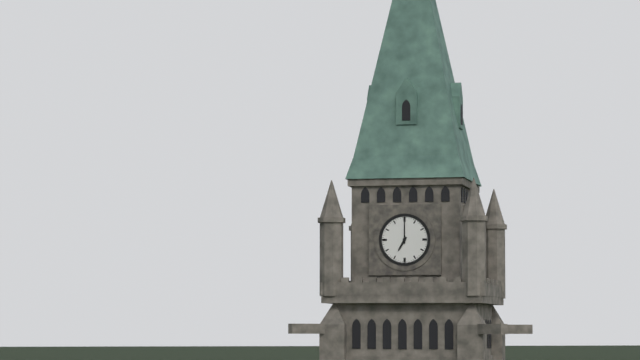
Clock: 7.00
